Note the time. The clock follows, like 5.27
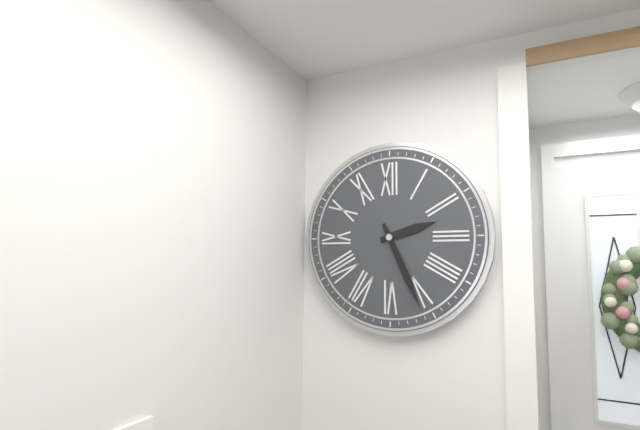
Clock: 2.26
